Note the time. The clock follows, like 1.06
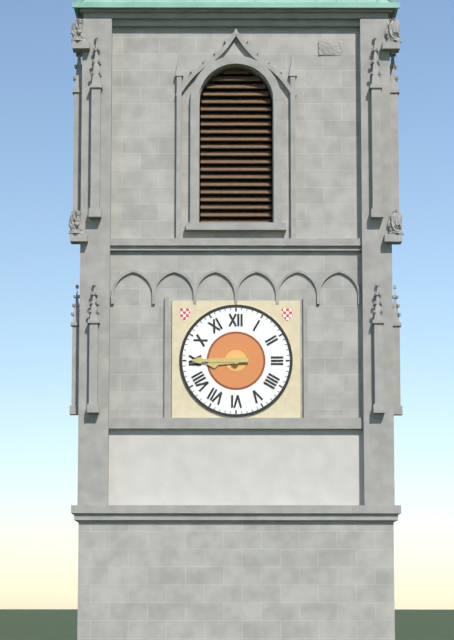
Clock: 8.45
